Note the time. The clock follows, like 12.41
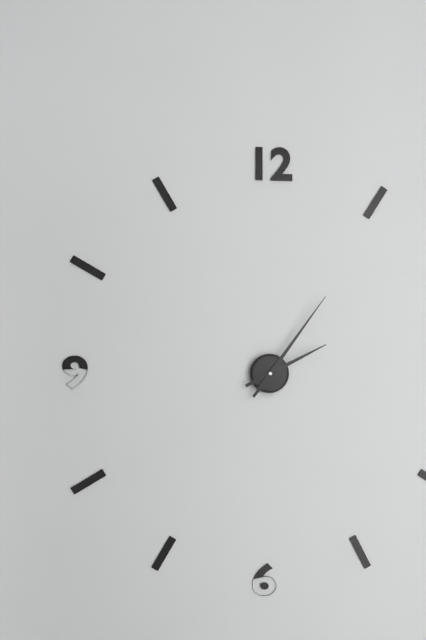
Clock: 2.06
